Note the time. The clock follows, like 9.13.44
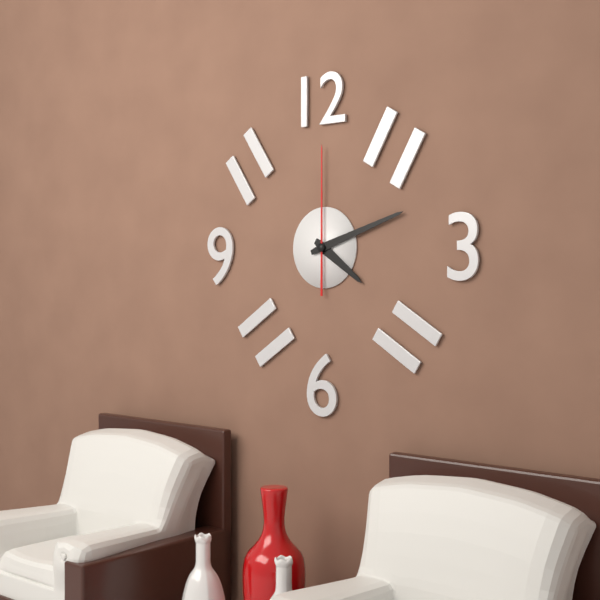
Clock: 4.12.00
